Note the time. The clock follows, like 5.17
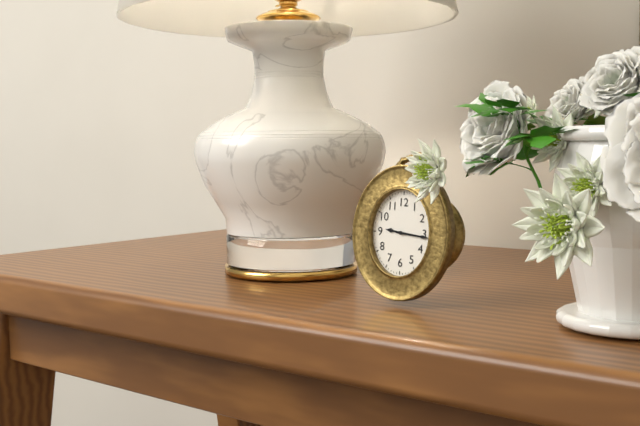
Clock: 9.16
